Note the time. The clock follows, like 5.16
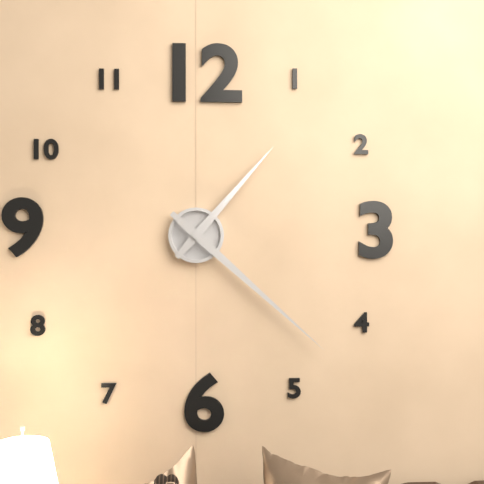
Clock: 1.22
